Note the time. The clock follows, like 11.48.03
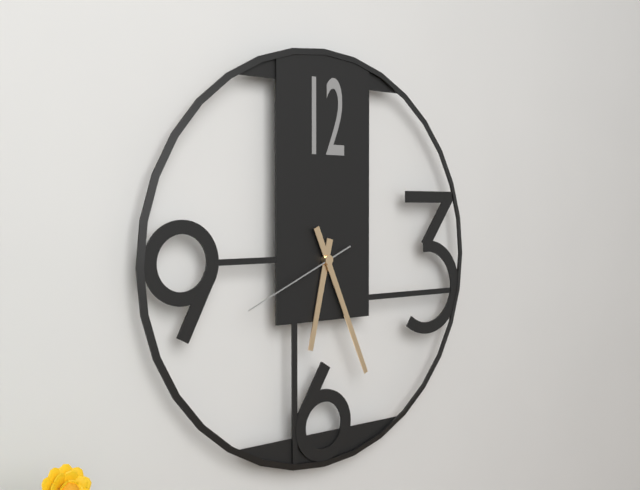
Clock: 6.26.41
